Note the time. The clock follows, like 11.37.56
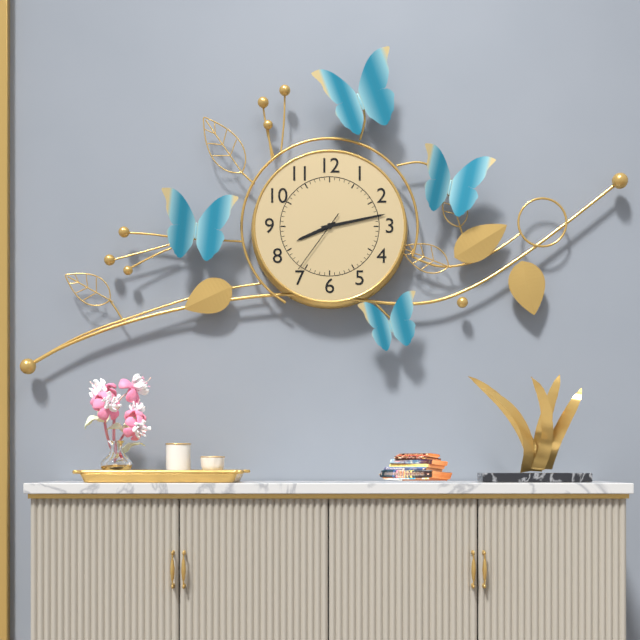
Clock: 8.13.36
